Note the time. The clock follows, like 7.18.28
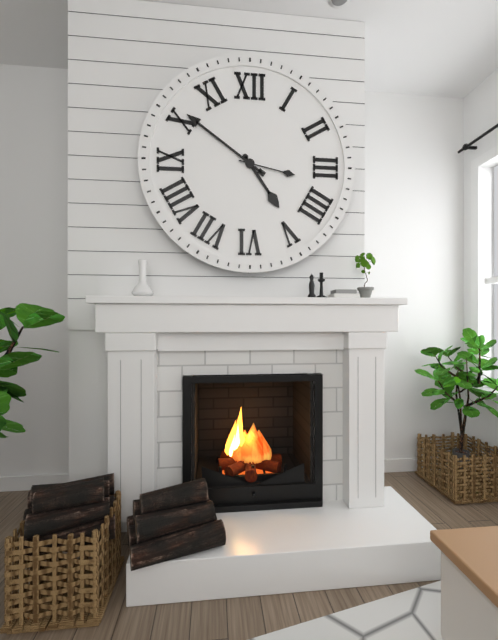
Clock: 4.51.17
